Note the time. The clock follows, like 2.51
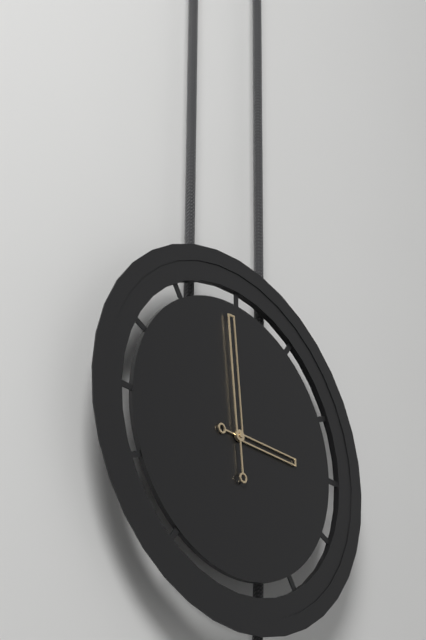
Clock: 2.59
